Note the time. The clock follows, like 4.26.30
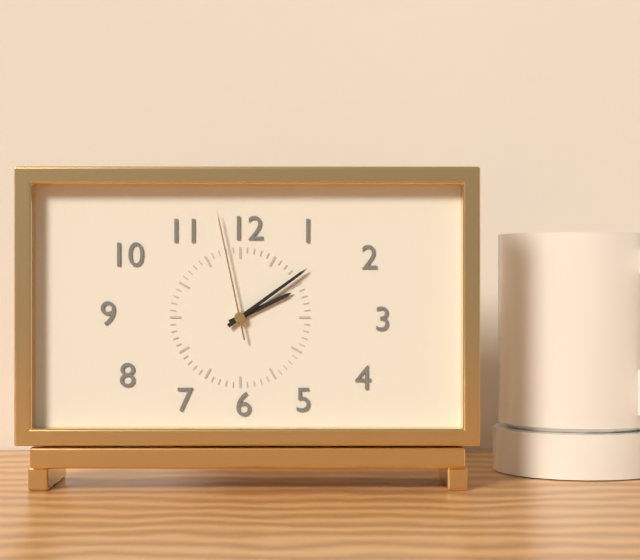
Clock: 2.09.58
